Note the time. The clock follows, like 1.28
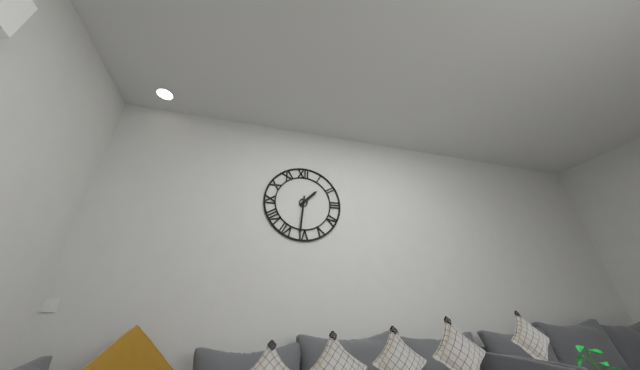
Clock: 1.31
